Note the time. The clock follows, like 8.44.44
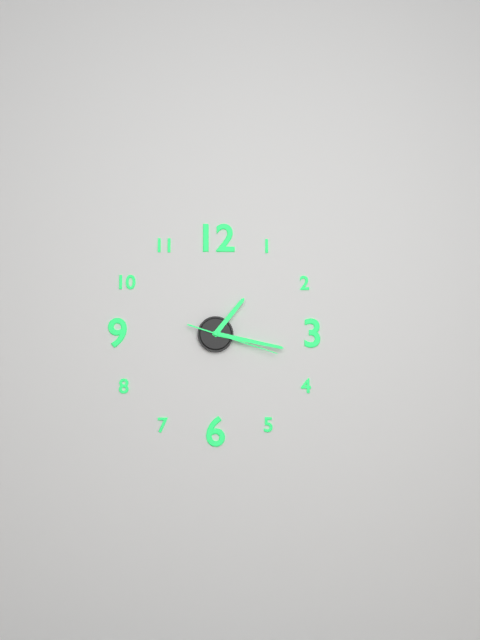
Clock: 1.17.18
